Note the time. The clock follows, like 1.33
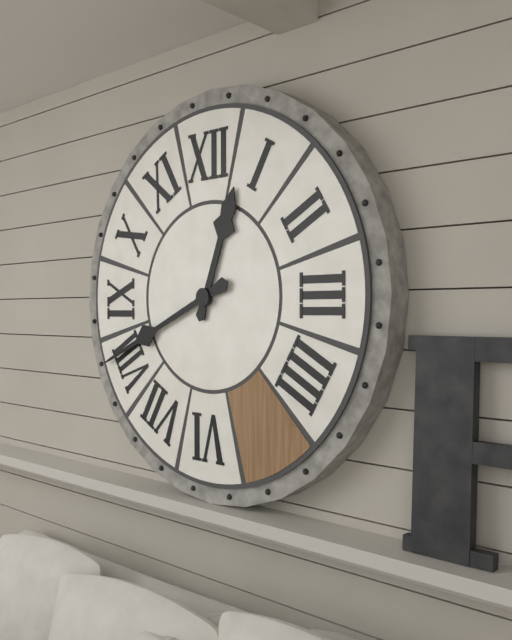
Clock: 12.41
